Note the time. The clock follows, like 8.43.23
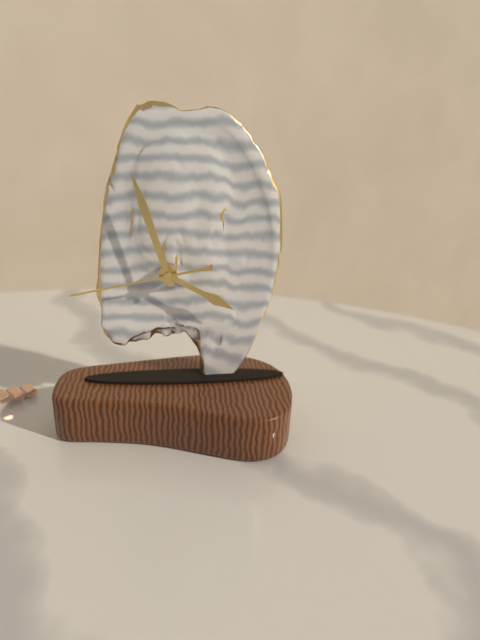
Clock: 3.57.43
